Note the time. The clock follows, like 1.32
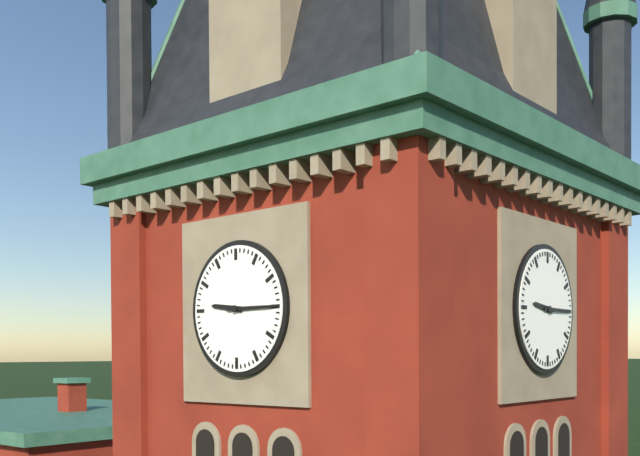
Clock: 9.15
